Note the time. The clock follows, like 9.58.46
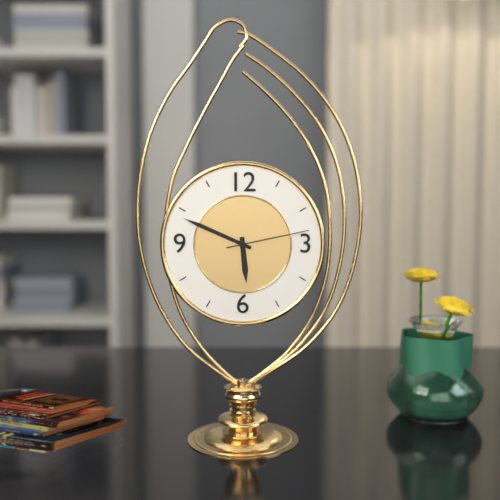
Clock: 5.49.13
